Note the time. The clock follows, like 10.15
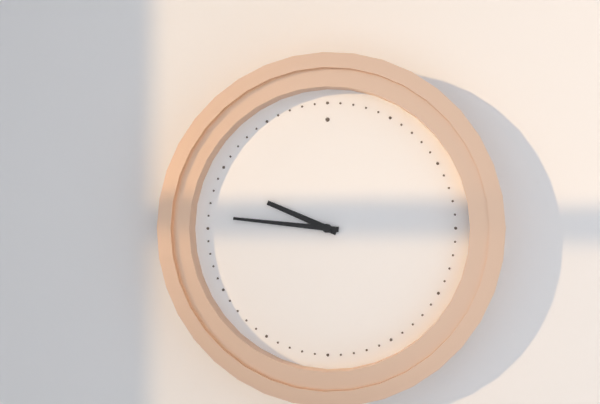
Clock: 9.46
